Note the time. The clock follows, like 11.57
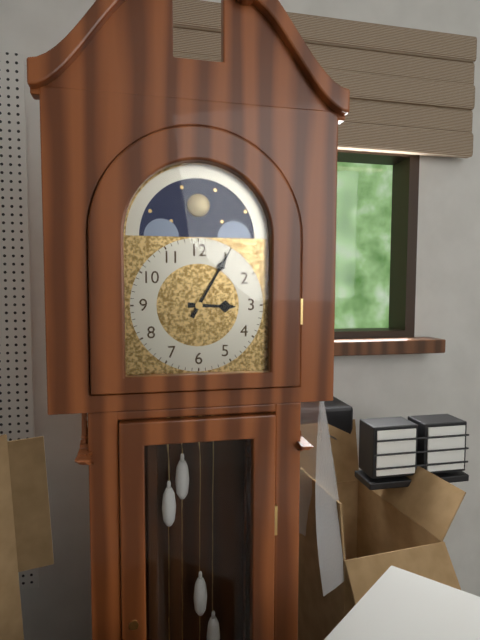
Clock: 3.05
